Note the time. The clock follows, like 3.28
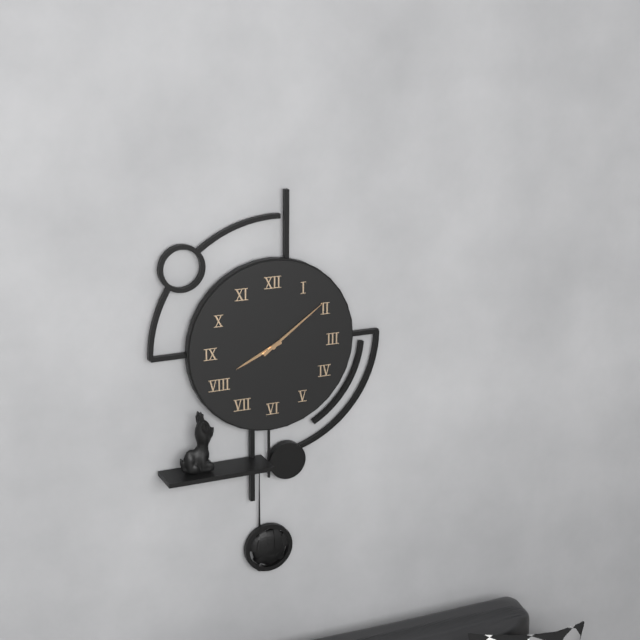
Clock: 8.09
